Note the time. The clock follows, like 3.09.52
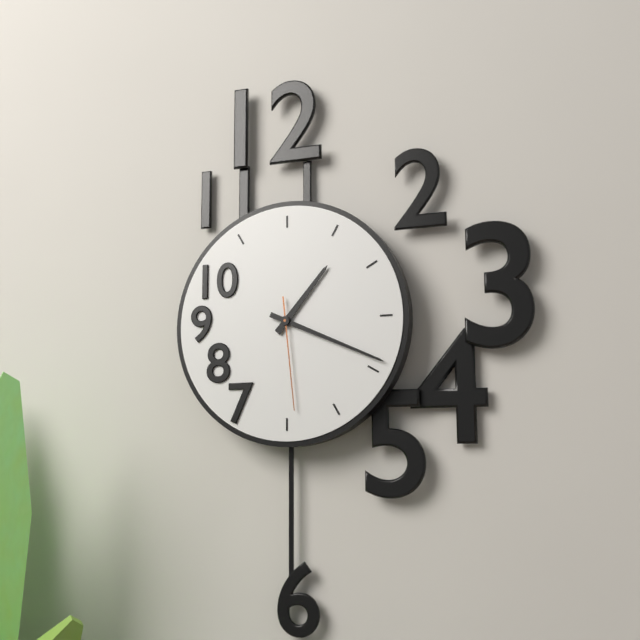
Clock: 1.19.29
